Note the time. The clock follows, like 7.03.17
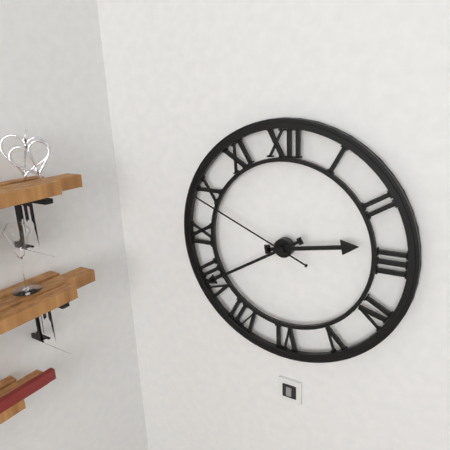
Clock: 2.40.49
